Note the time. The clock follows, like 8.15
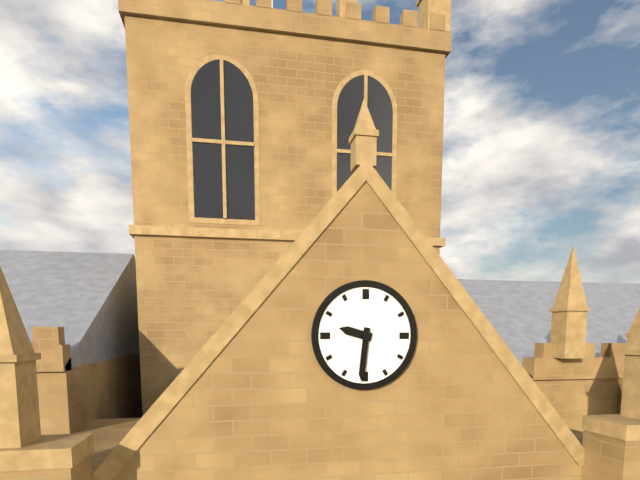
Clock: 9.31
